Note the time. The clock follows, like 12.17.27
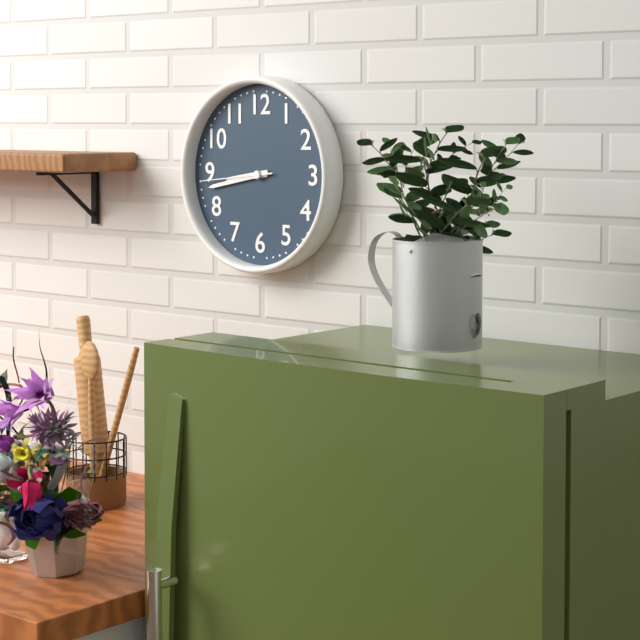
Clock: 8.43.44
